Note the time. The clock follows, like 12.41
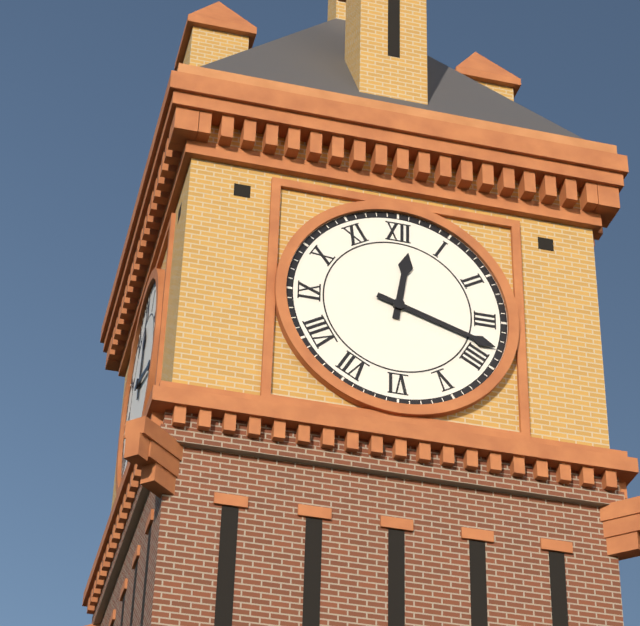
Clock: 12.18
